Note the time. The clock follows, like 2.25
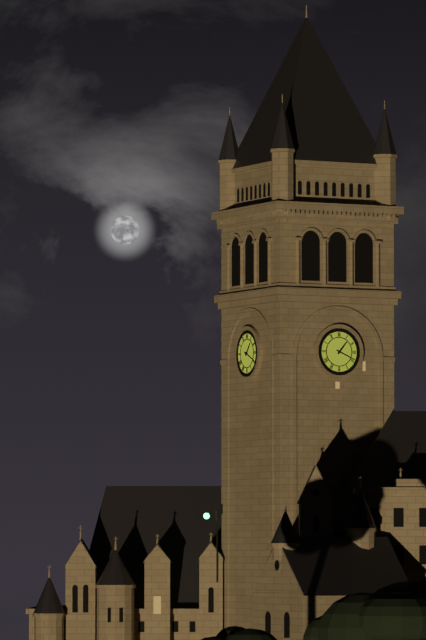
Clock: 1.19
